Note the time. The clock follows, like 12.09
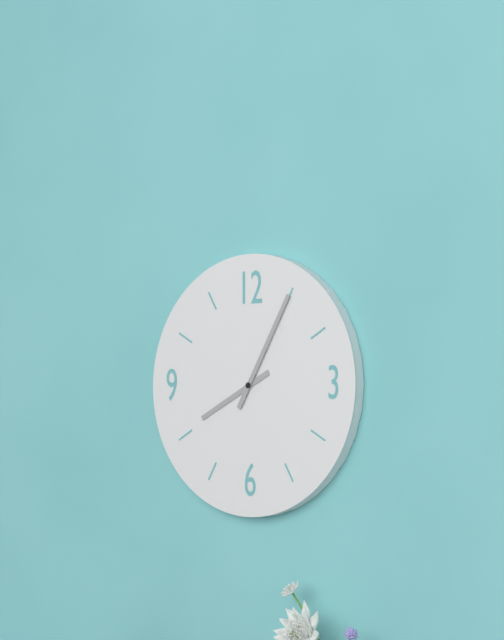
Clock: 8.05
